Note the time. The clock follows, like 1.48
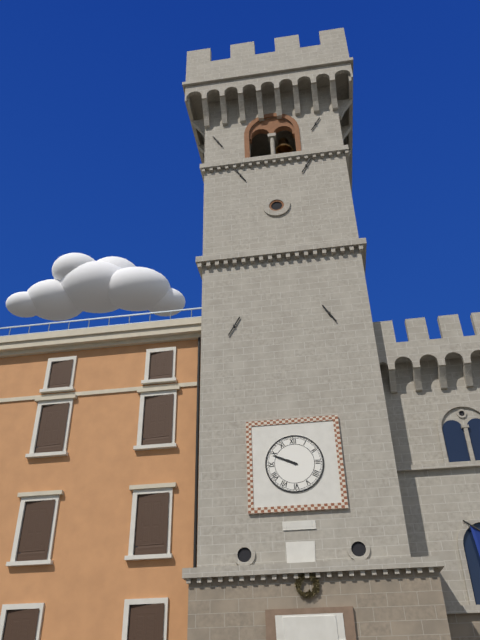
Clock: 9.49
